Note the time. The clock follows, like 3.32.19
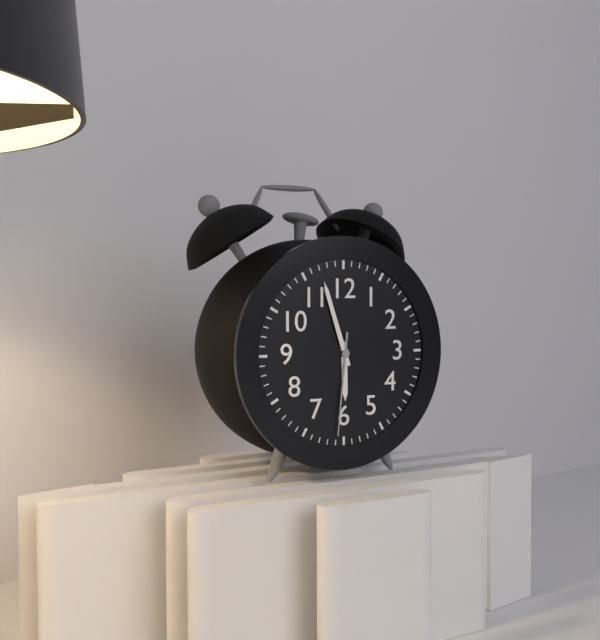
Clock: 5.57.31
